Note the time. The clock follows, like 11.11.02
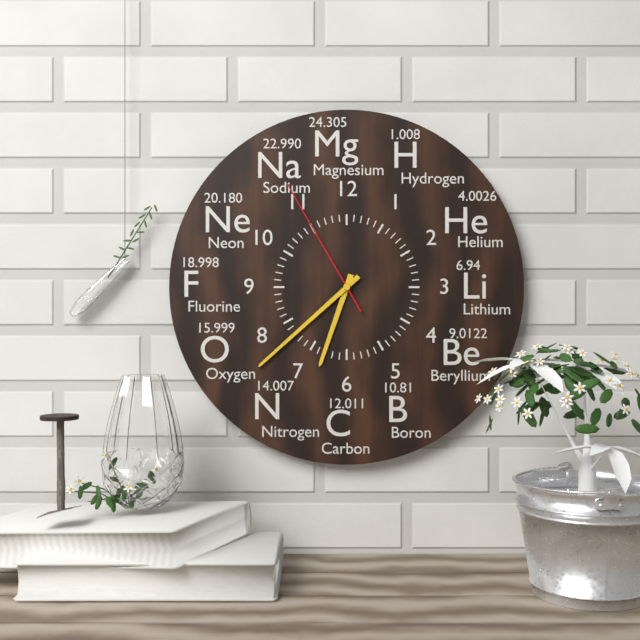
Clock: 6.38.55
